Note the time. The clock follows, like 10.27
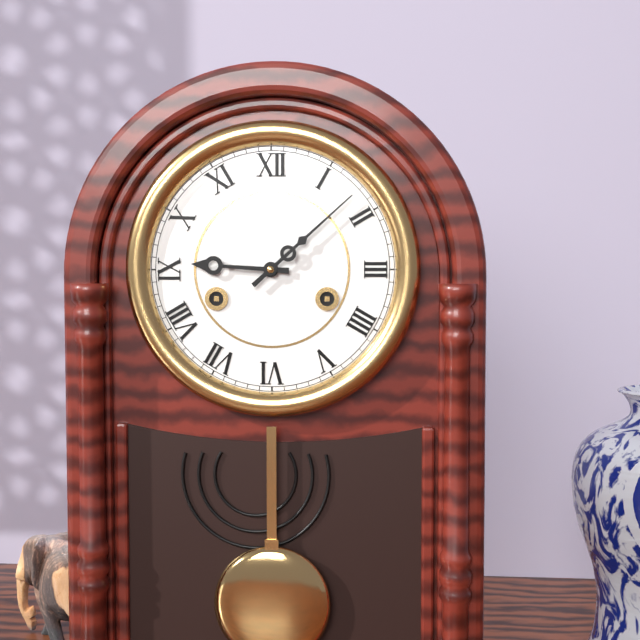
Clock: 9.08
